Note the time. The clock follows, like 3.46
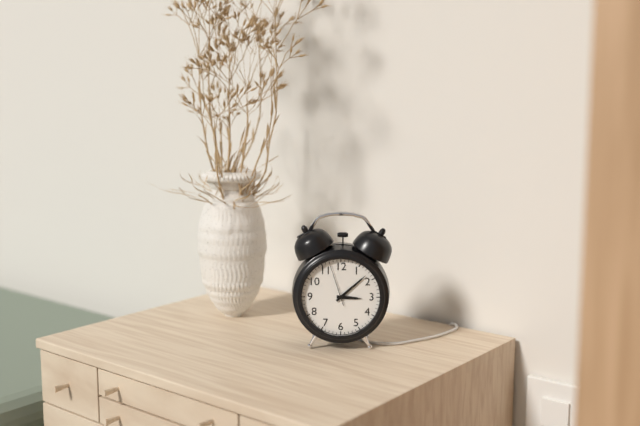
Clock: 3.08
